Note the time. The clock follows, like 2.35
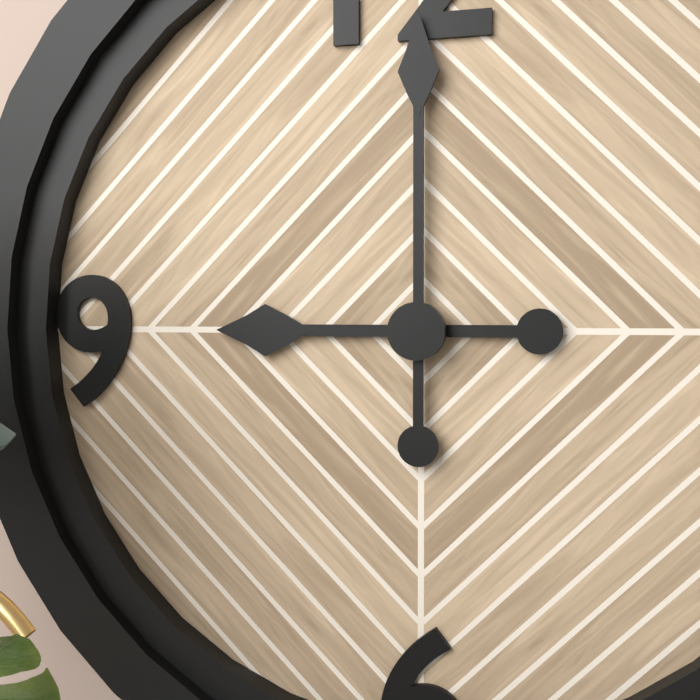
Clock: 9.00
